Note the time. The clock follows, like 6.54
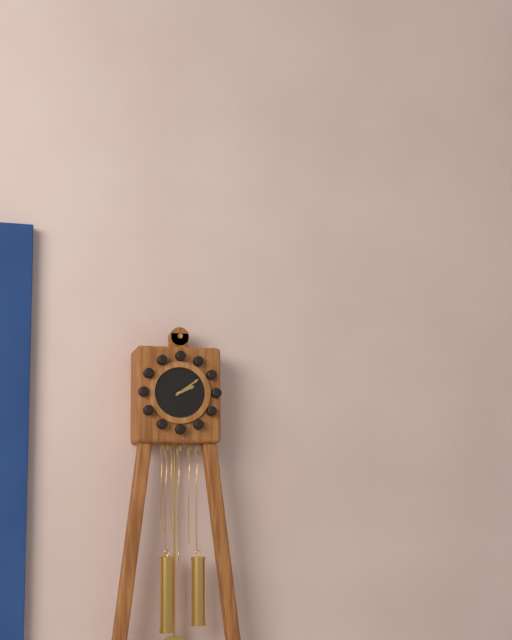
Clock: 2.09
